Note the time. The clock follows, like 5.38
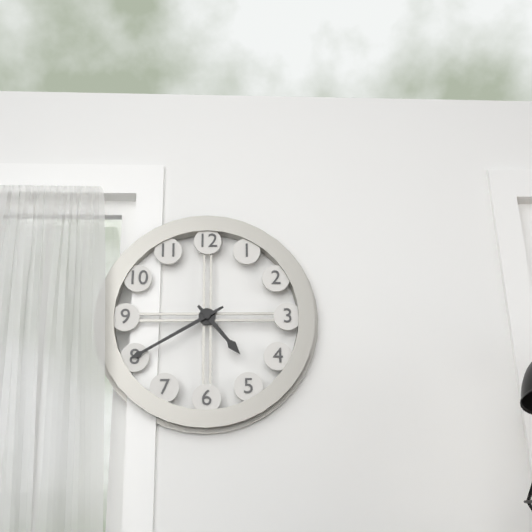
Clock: 4.40
